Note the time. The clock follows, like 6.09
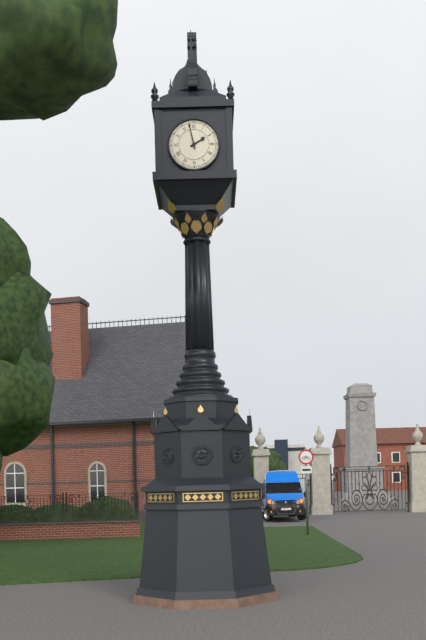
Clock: 1.58
